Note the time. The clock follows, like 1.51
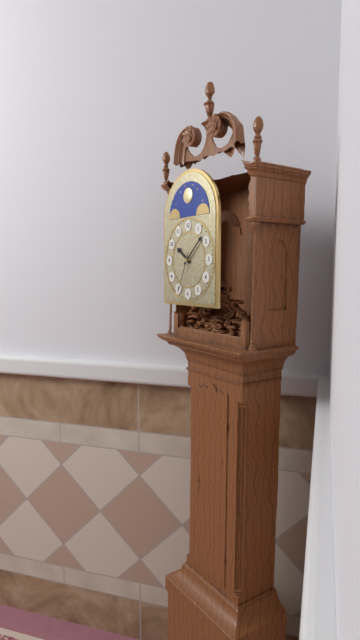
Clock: 10.08
